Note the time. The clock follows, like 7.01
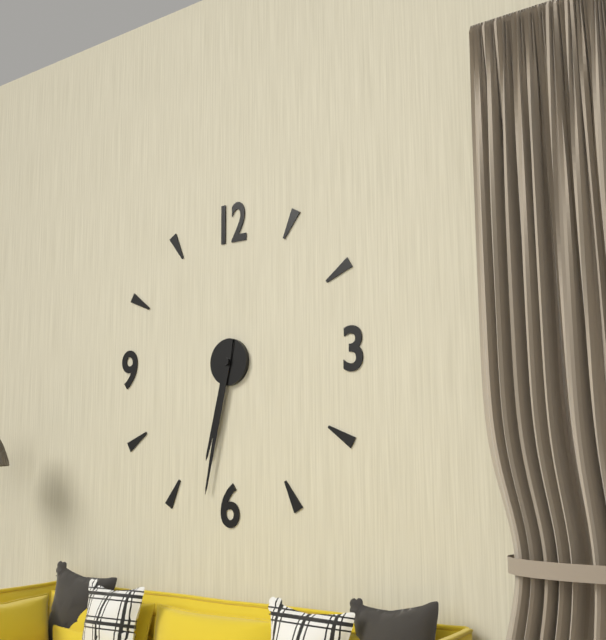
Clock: 6.32
